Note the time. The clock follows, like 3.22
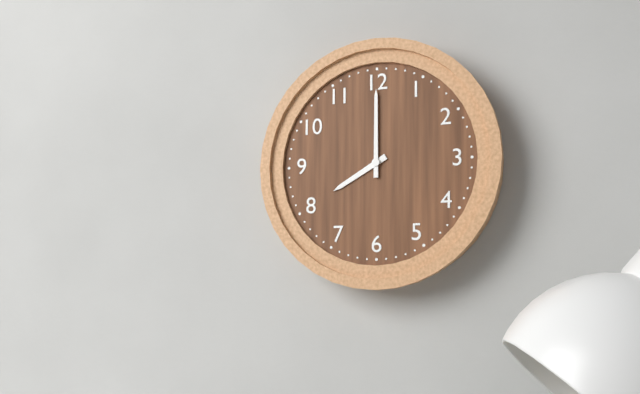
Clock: 8.00
